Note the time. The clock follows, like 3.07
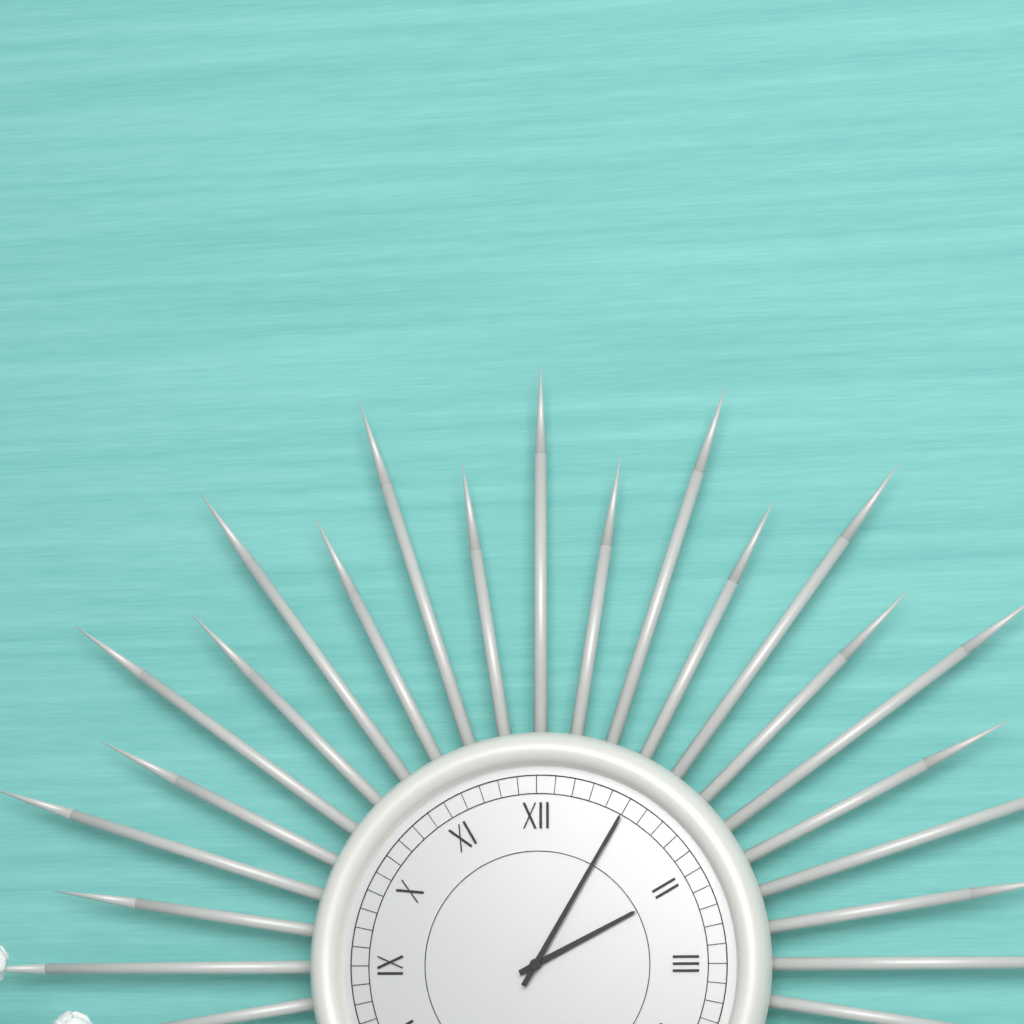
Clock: 2.05
